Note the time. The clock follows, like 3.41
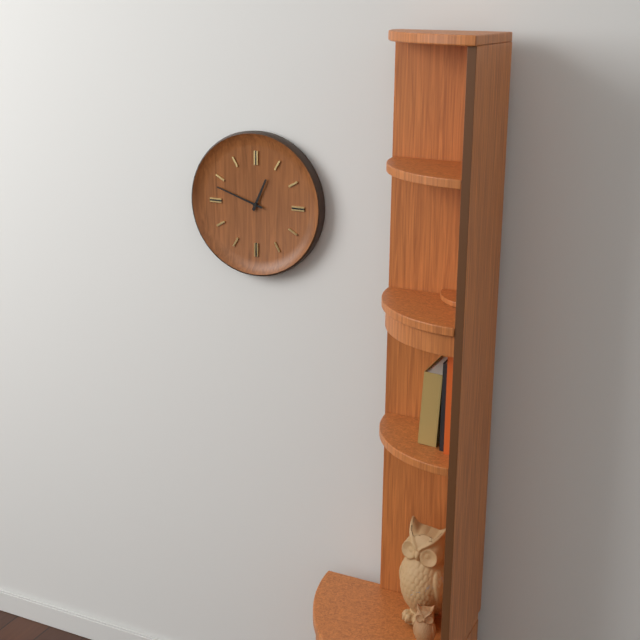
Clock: 12.48
